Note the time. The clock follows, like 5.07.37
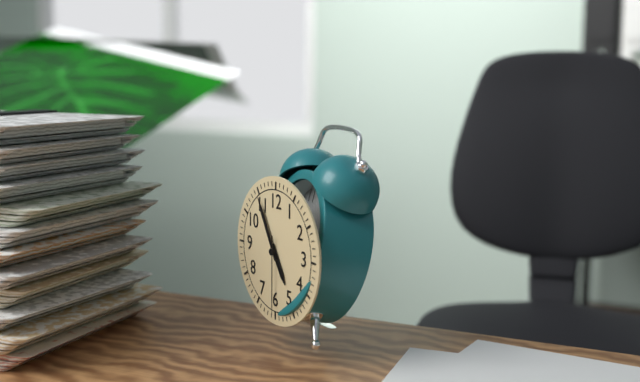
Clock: 4.55.30
